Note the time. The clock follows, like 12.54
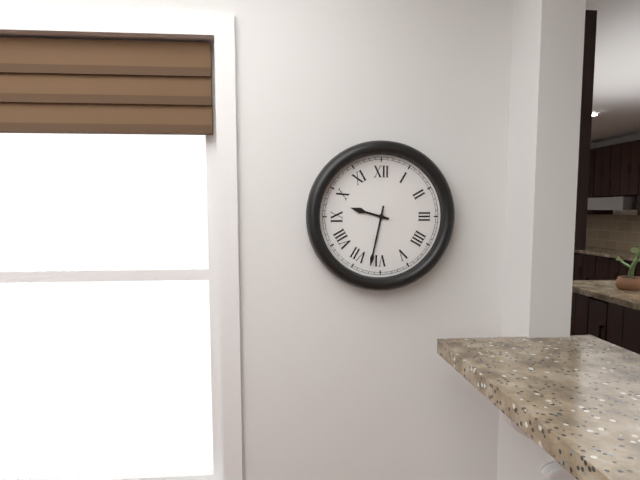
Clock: 9.32
